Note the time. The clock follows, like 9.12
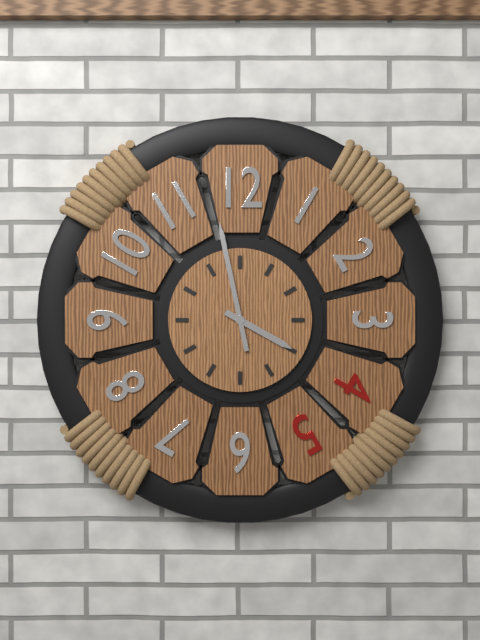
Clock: 3.58
